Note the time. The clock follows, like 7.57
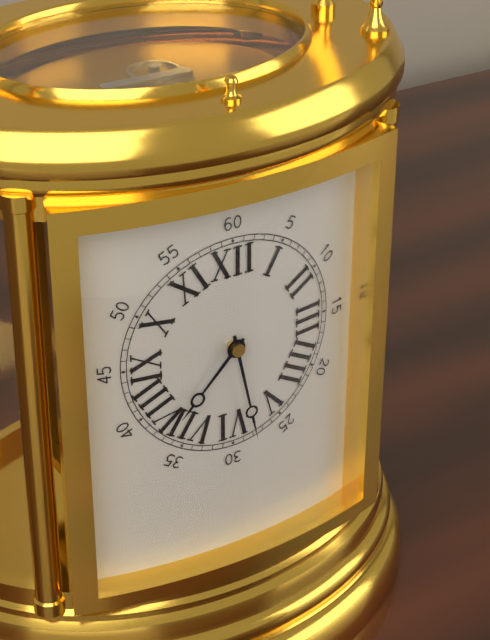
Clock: 7.28
